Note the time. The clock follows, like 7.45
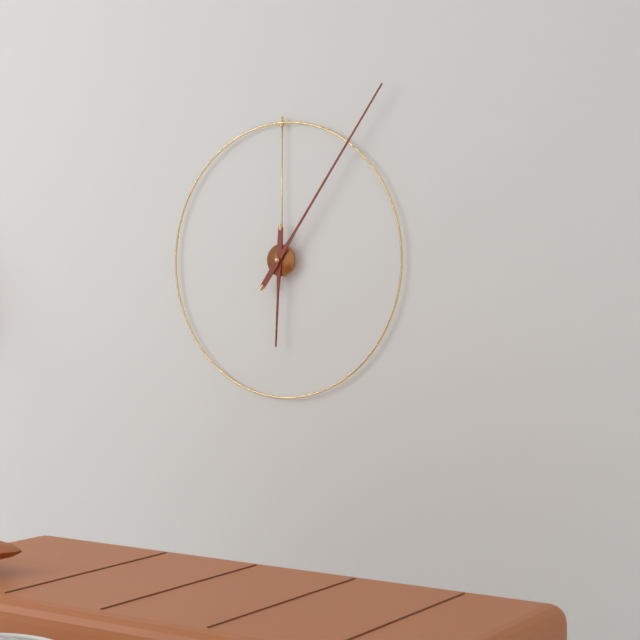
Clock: 6.06
